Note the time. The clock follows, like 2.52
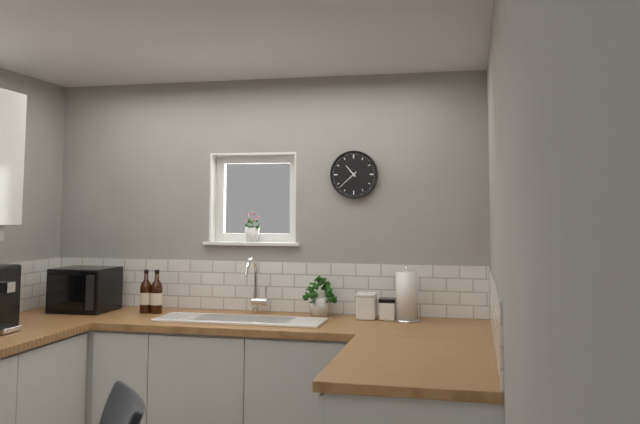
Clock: 10.38
